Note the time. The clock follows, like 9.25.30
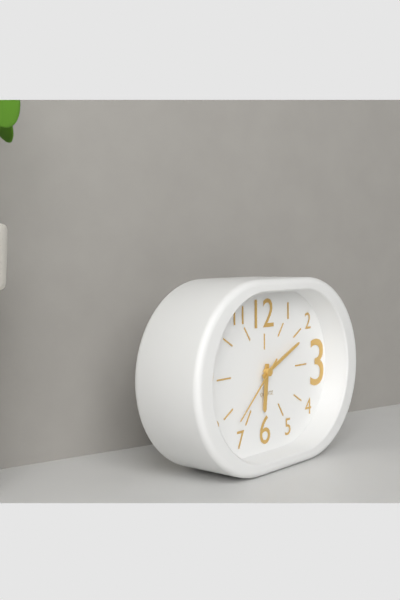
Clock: 6.11.38
